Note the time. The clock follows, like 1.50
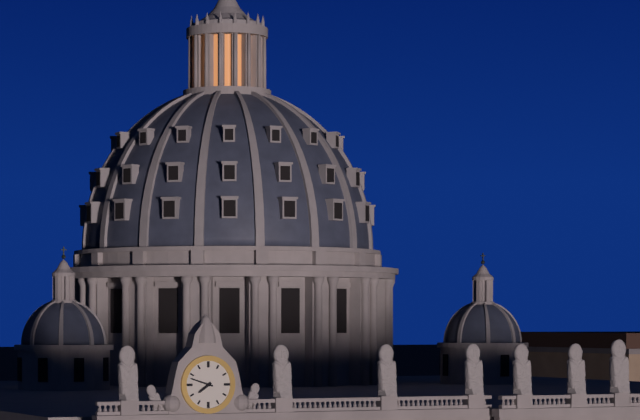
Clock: 7.48
